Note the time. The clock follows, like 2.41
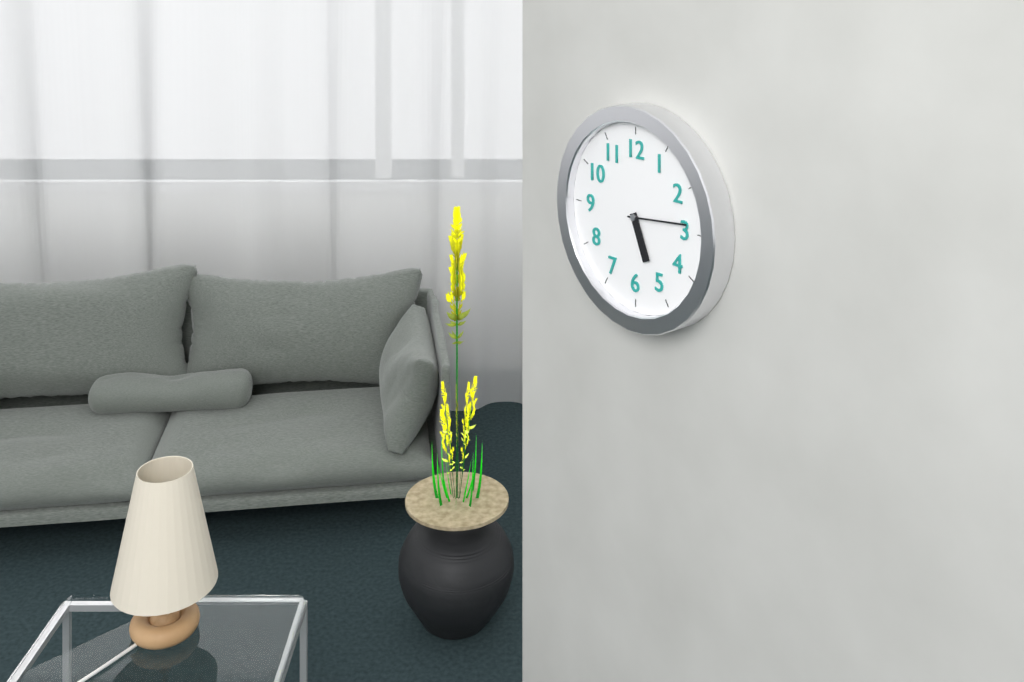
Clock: 5.14
